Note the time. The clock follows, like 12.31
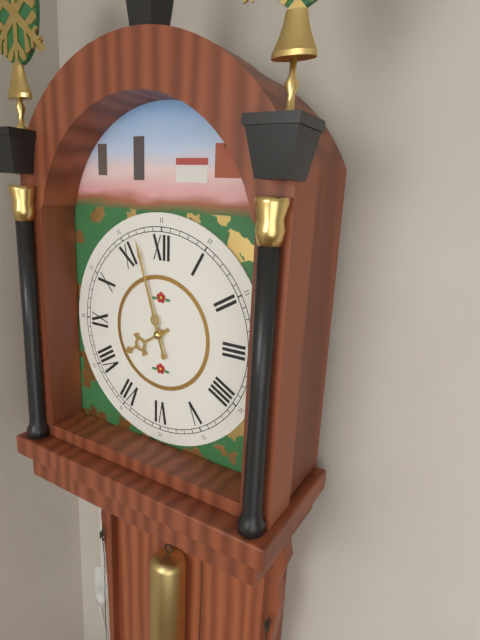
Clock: 7.57
